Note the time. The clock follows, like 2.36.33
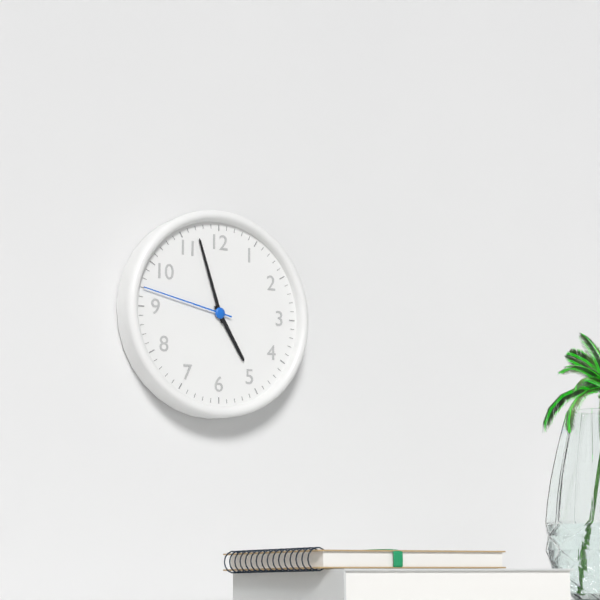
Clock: 4.57.47
